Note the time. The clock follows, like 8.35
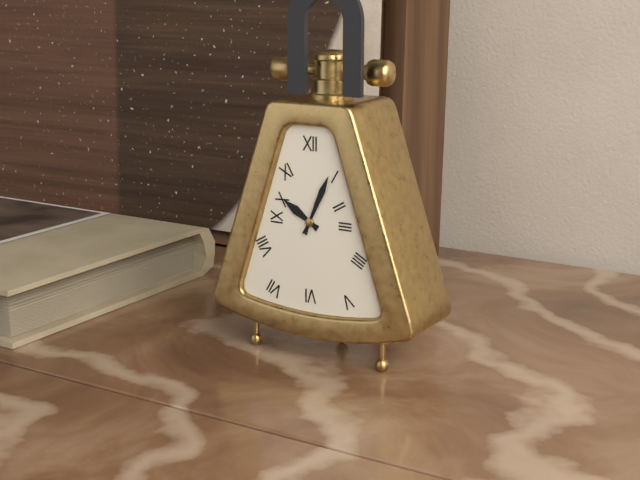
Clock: 10.04
